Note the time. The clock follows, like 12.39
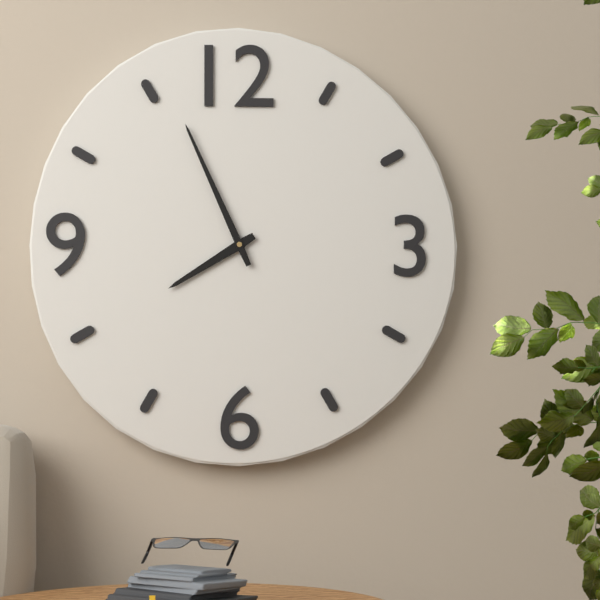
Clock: 7.56
